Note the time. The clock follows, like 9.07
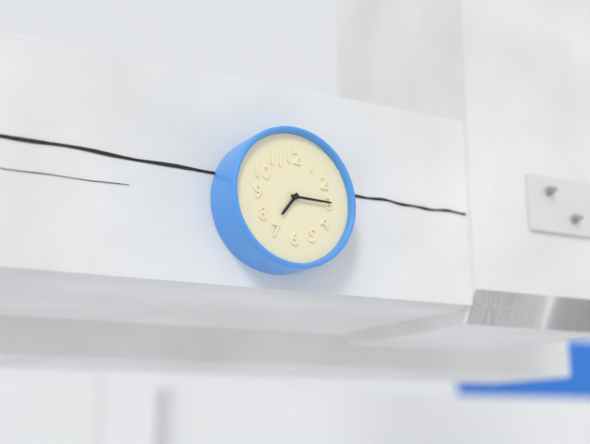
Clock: 7.15
